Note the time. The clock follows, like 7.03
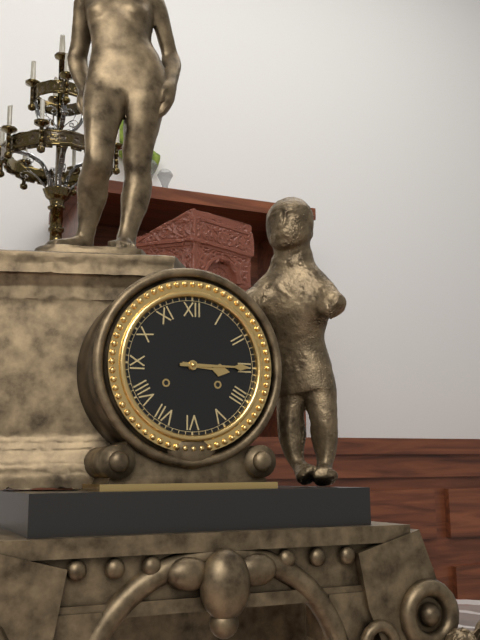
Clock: 3.15
